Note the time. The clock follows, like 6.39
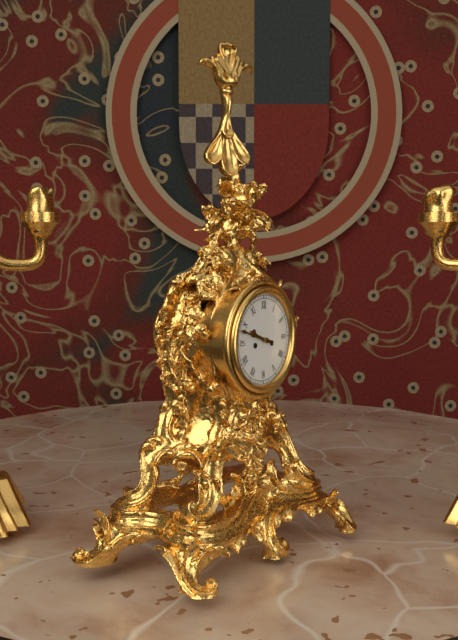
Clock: 9.48
